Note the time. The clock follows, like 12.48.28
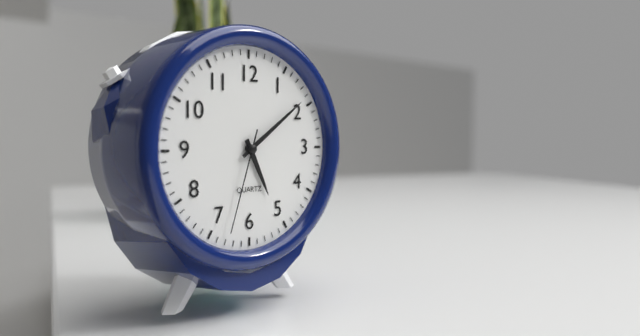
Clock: 5.09.33
